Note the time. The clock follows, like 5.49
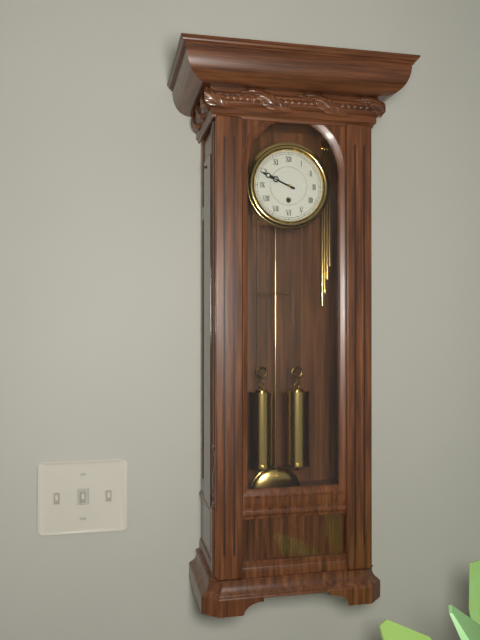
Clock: 9.49
